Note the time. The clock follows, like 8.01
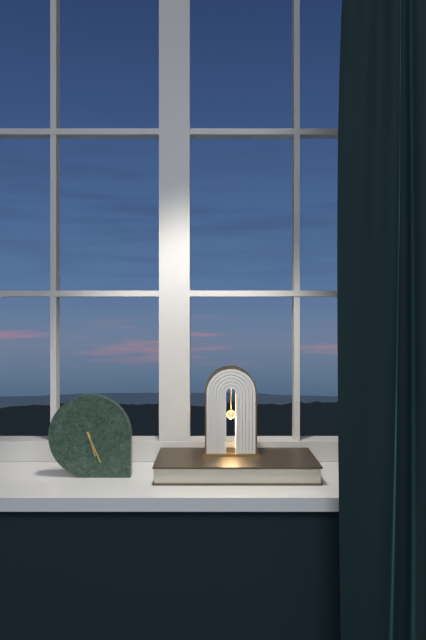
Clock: 5.26
